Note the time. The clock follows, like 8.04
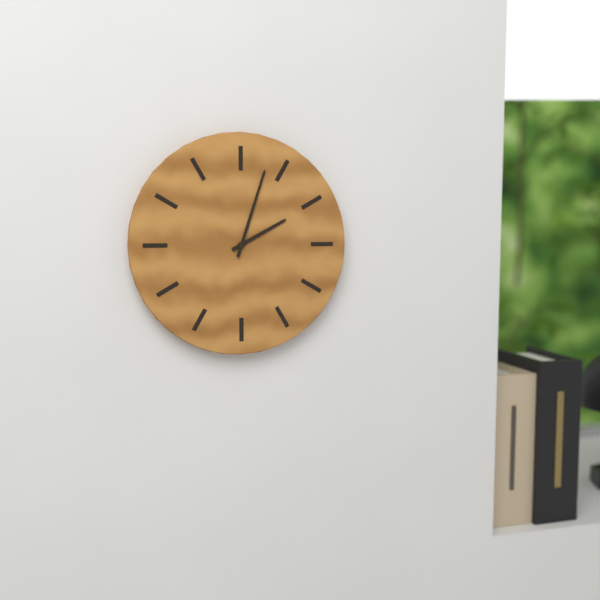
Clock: 2.03
